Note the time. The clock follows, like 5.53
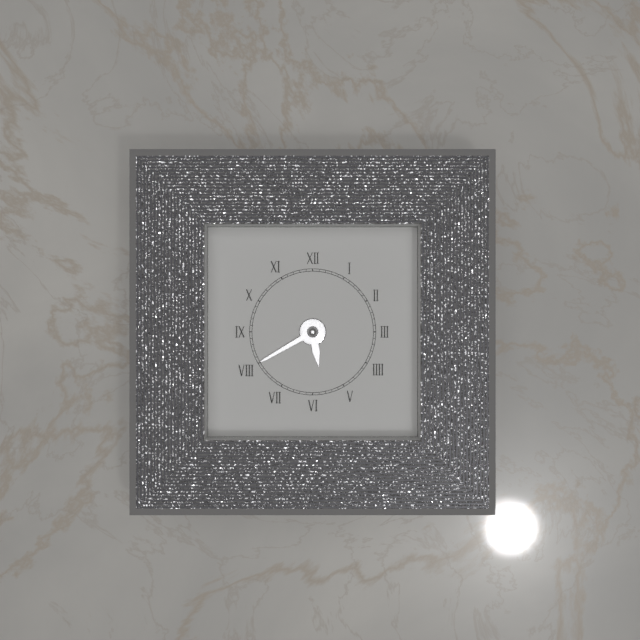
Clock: 5.40
